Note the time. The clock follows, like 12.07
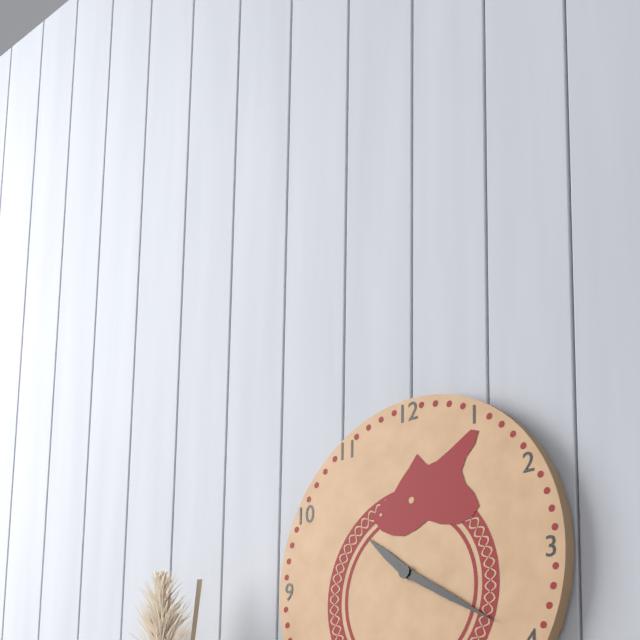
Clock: 10.20
